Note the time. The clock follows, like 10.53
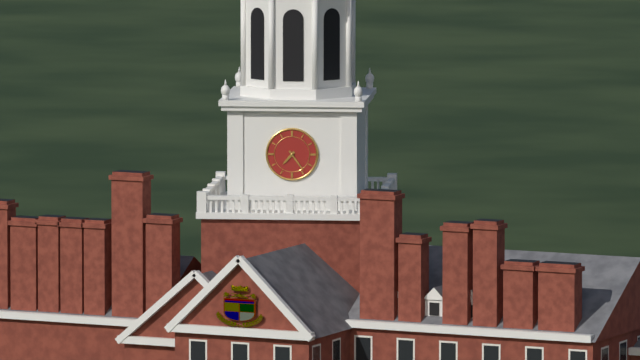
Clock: 7.24
